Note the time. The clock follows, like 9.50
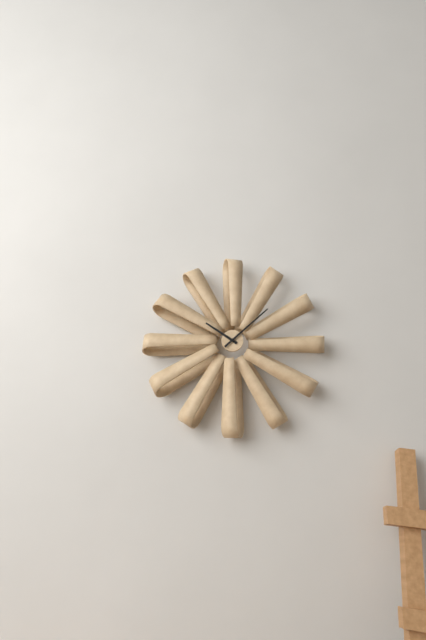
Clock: 10.08
